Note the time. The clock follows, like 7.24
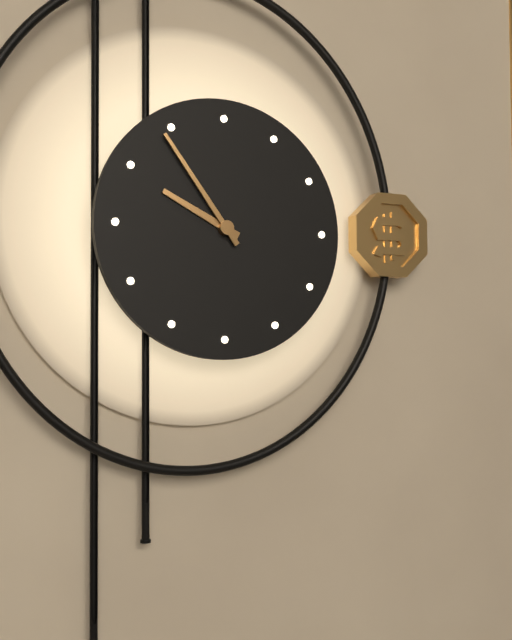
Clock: 9.54
